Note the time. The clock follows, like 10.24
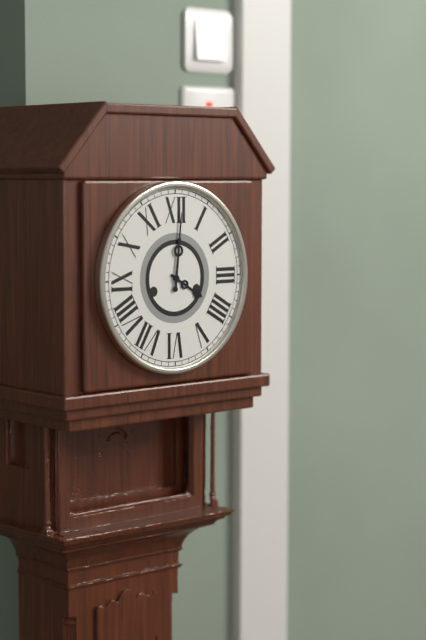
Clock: 4.01
